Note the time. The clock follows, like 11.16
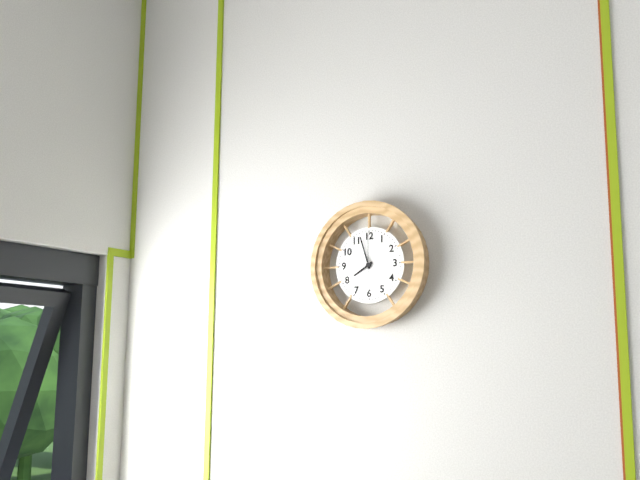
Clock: 7.57
